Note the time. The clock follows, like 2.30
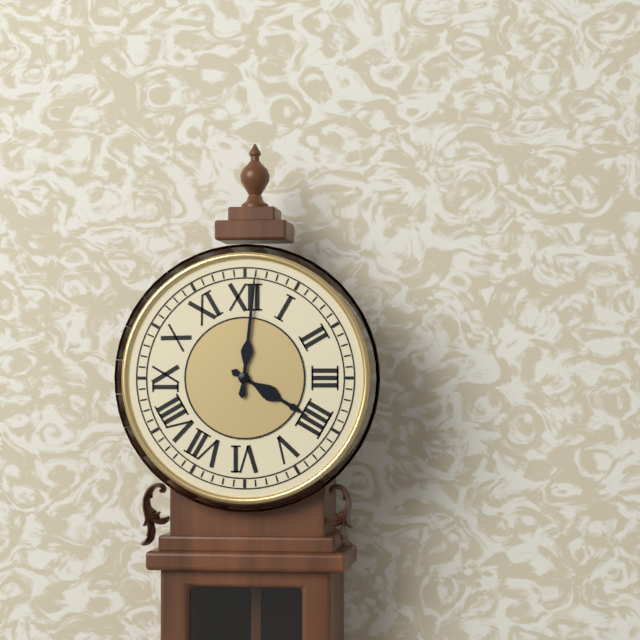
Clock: 4.01
